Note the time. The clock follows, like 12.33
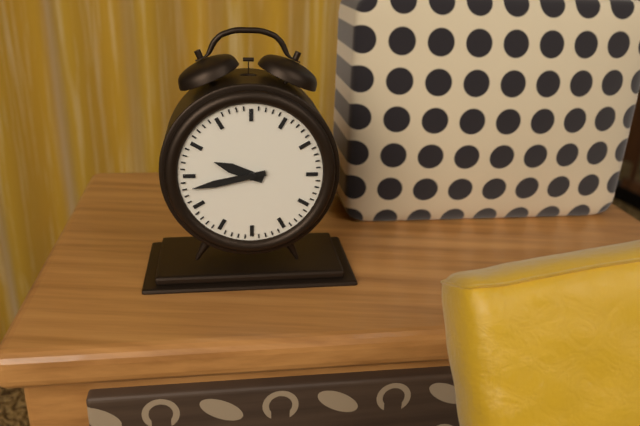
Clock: 9.43
